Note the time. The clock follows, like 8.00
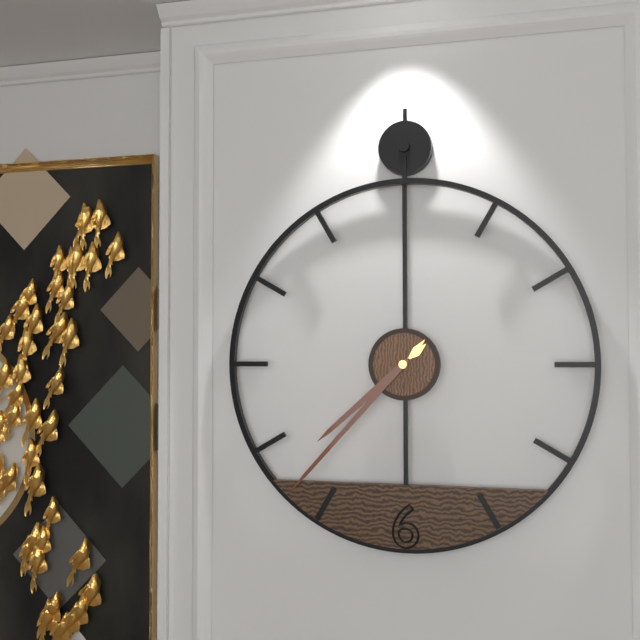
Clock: 7.37
